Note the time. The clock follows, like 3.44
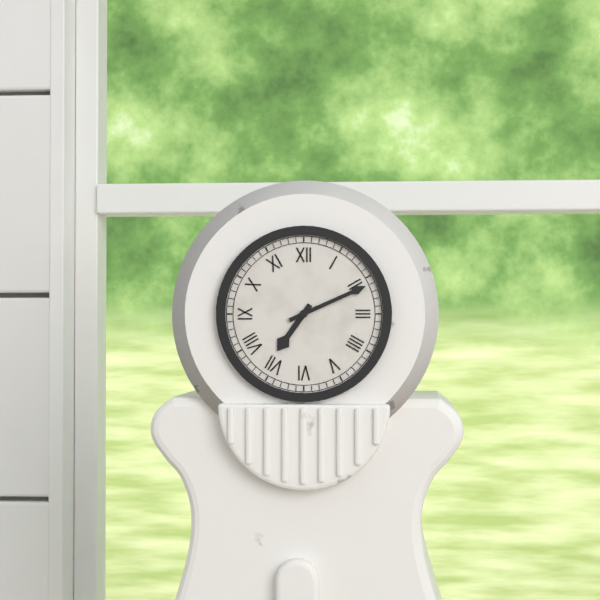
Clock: 7.11
